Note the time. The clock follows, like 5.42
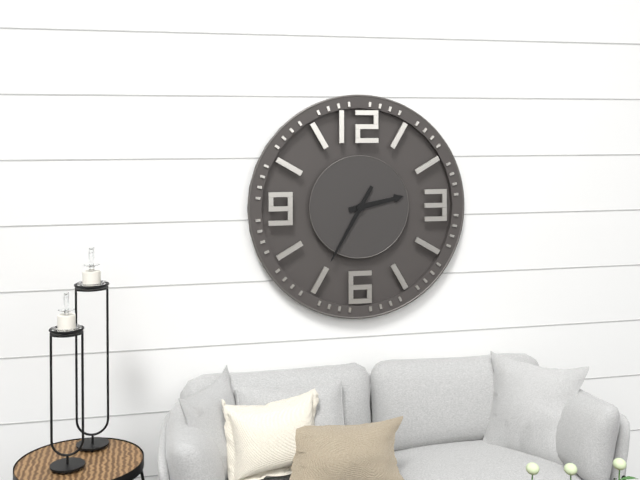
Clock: 2.35
